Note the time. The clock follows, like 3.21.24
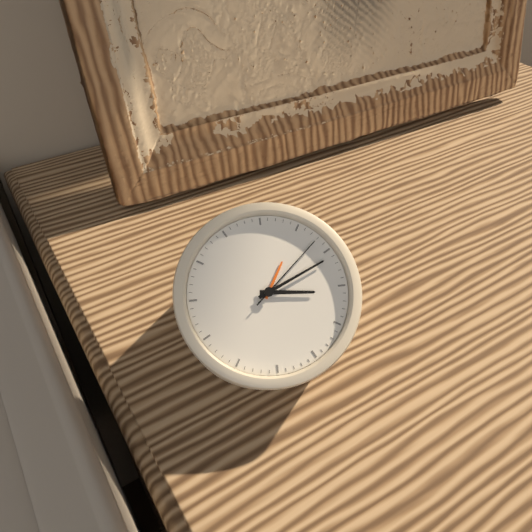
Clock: 3.11.08
